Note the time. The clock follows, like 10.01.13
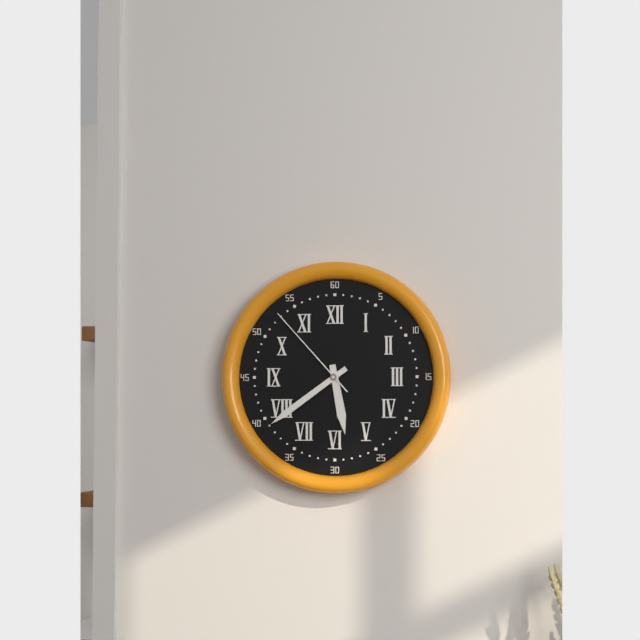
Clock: 5.39.53
